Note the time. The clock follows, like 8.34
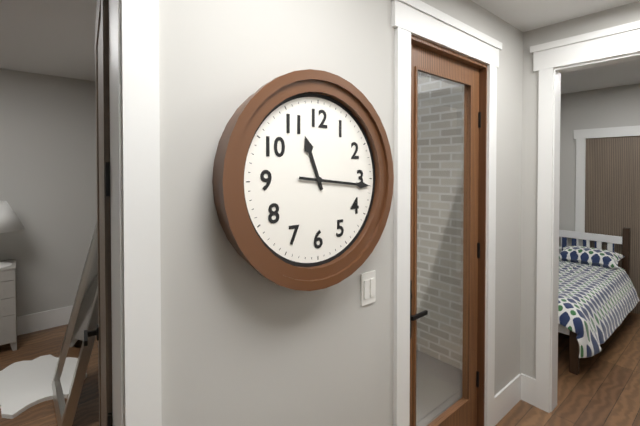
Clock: 11.16
